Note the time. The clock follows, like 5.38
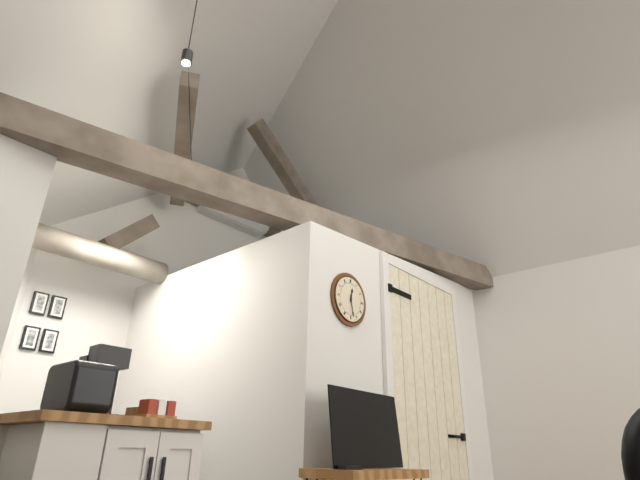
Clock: 12.28
